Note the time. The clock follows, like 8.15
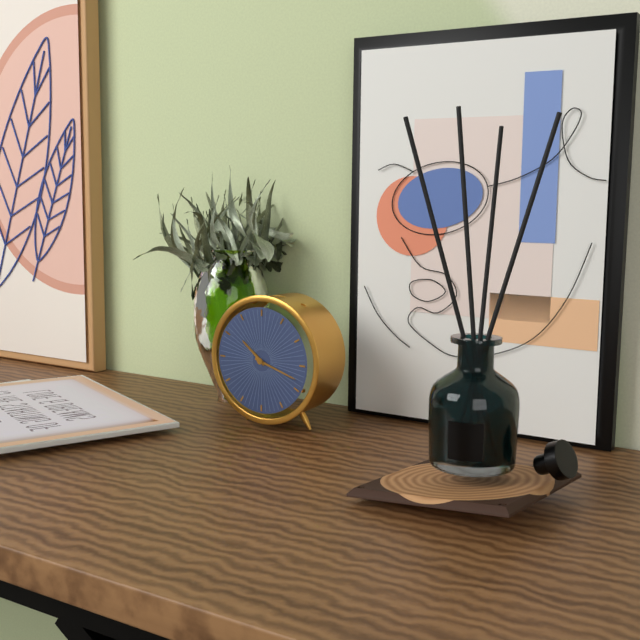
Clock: 10.18
